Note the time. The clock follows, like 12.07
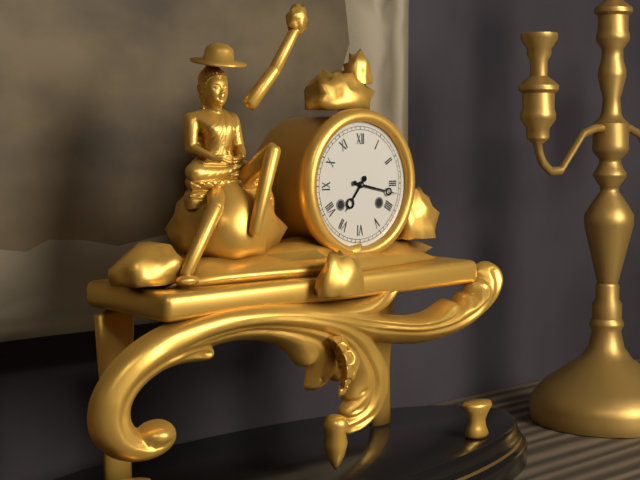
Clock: 7.17
